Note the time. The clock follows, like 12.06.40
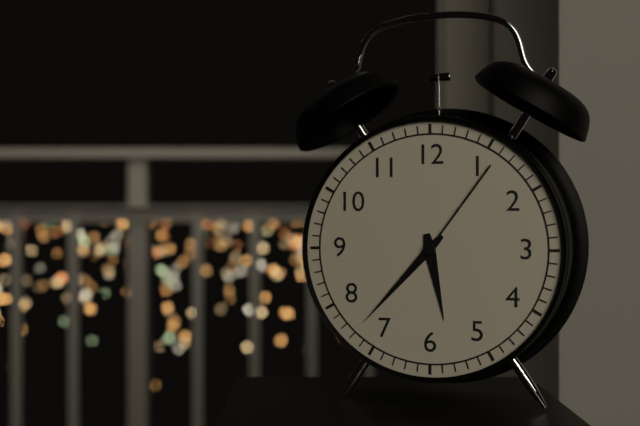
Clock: 5.37.06
